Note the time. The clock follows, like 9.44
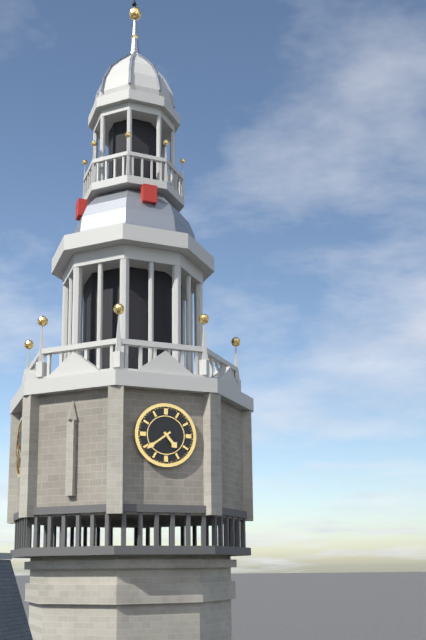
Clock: 4.39
